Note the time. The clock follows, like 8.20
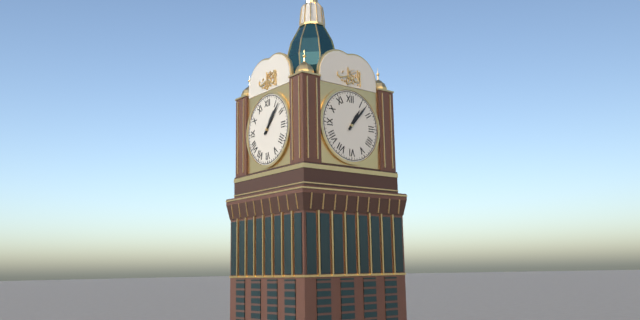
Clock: 1.07
